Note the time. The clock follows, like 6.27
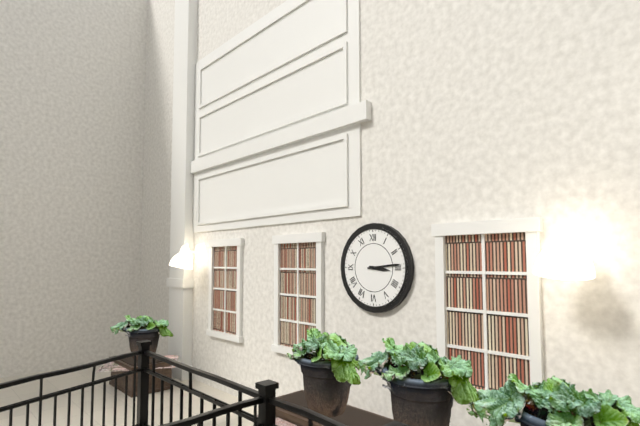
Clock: 3.14
